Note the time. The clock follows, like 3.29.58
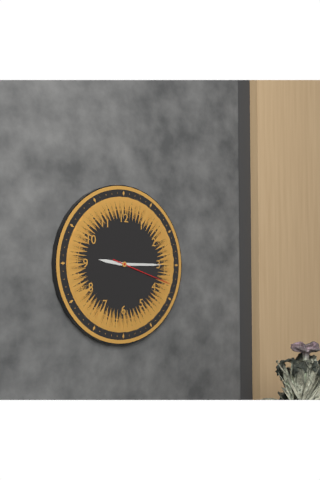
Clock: 9.15.18
